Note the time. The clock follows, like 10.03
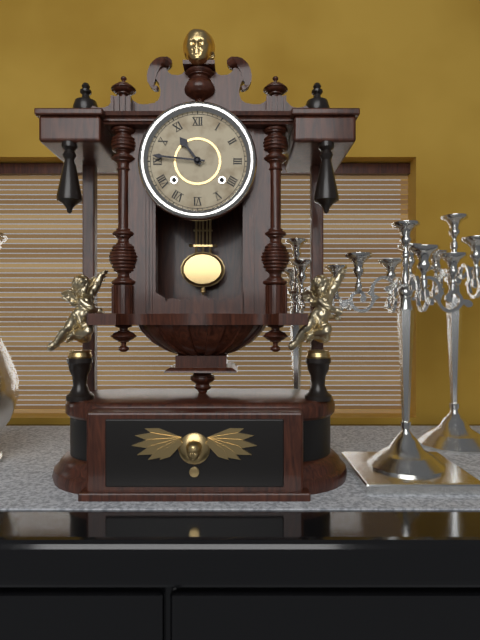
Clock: 10.46
